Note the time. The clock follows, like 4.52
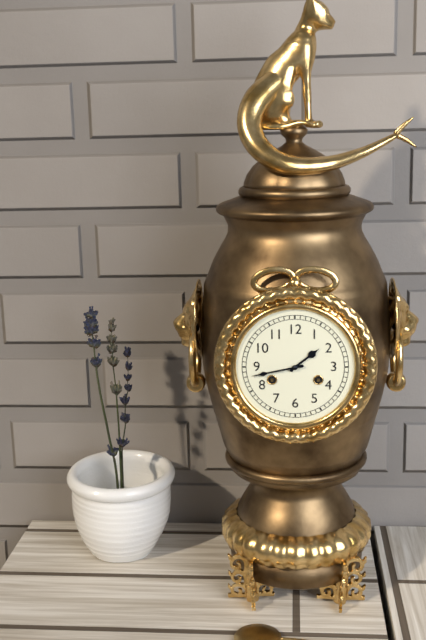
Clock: 1.43
